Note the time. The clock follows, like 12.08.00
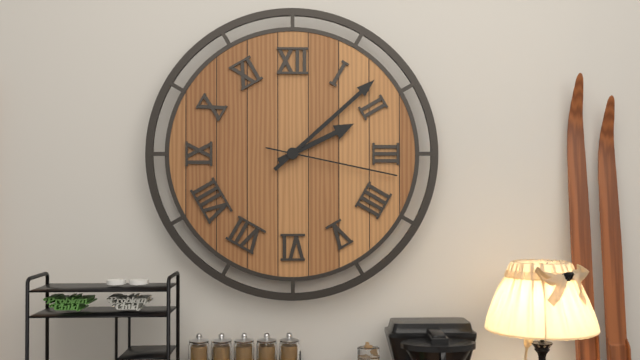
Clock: 2.08.17
